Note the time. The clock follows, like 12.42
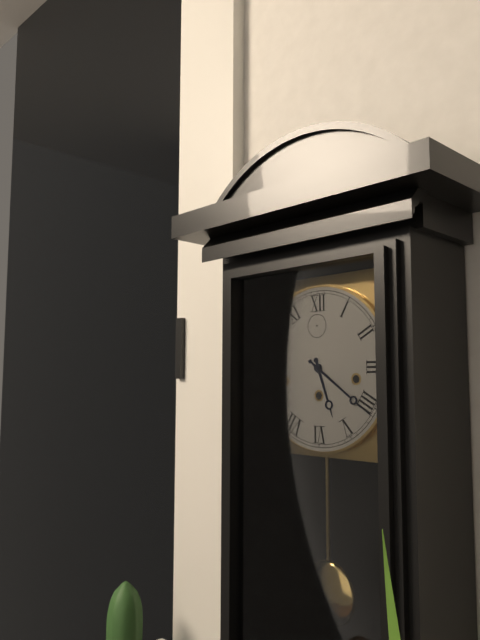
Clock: 5.21
